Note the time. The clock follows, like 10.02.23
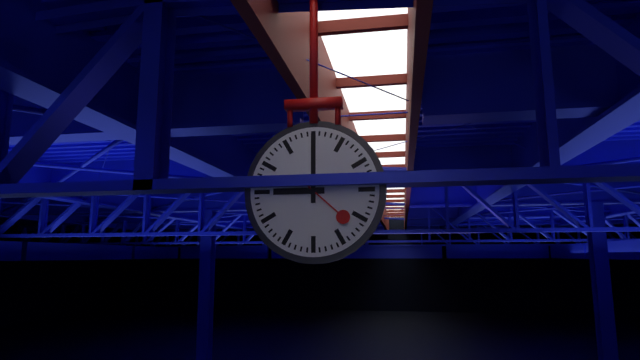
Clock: 9.00.22
